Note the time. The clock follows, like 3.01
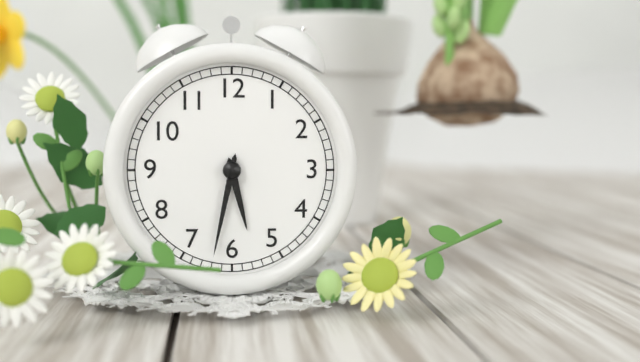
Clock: 5.32
